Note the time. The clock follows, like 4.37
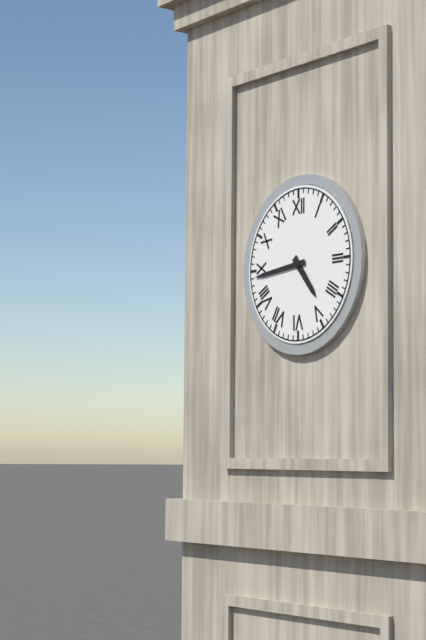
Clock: 4.44
